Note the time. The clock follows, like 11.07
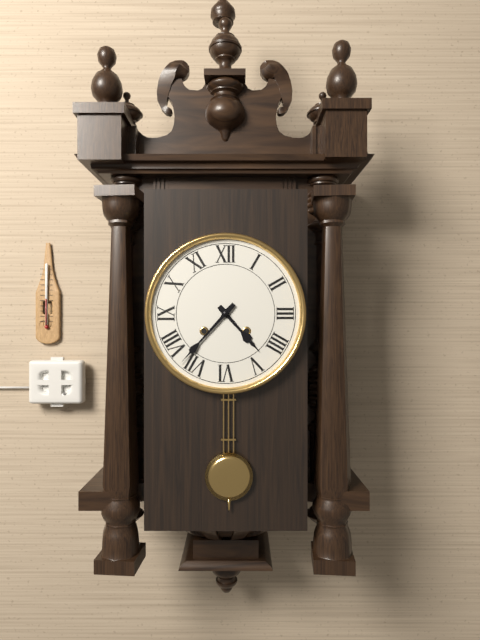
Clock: 4.37
